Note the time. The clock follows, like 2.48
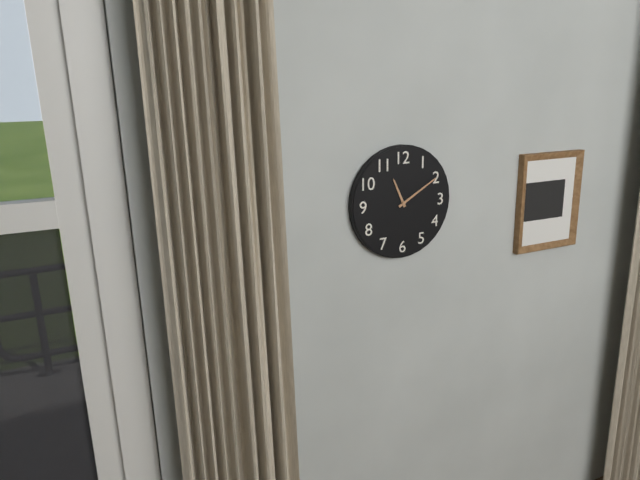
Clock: 11.10
